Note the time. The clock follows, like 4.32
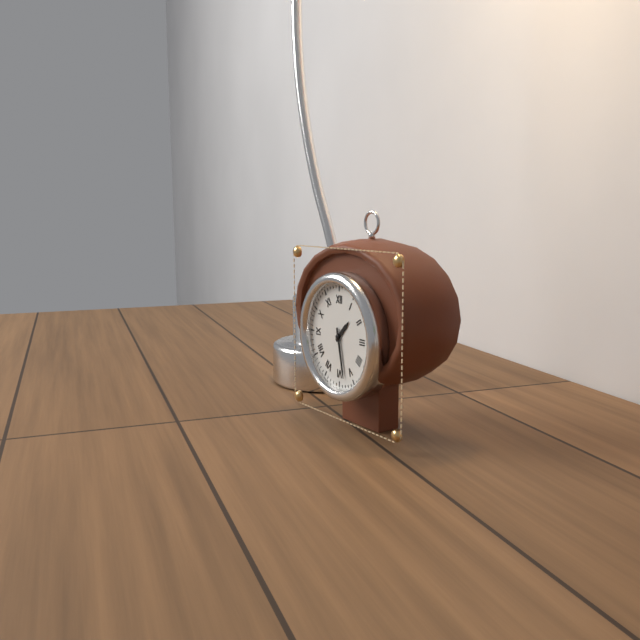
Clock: 1.28
